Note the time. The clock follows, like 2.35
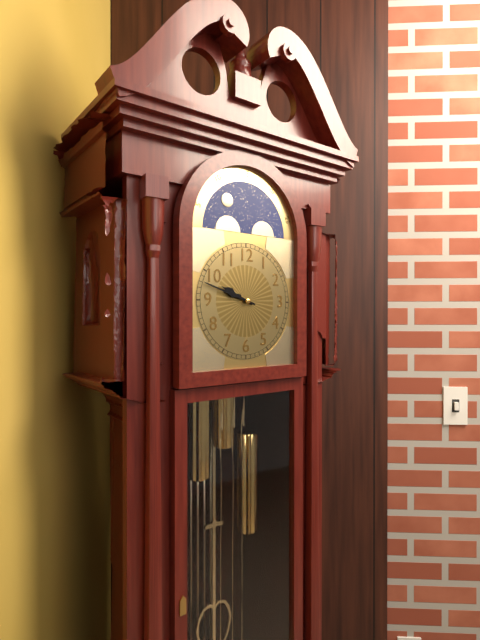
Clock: 9.48
